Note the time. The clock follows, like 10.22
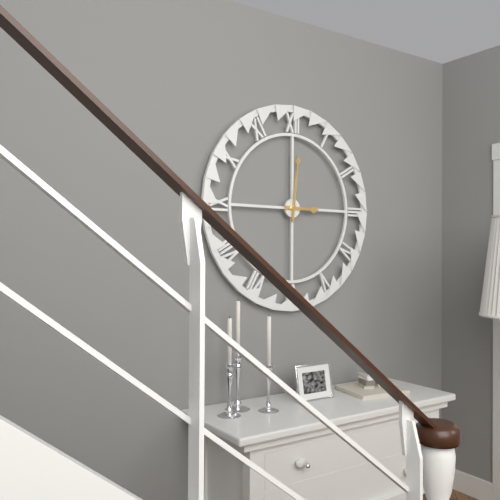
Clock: 3.01
